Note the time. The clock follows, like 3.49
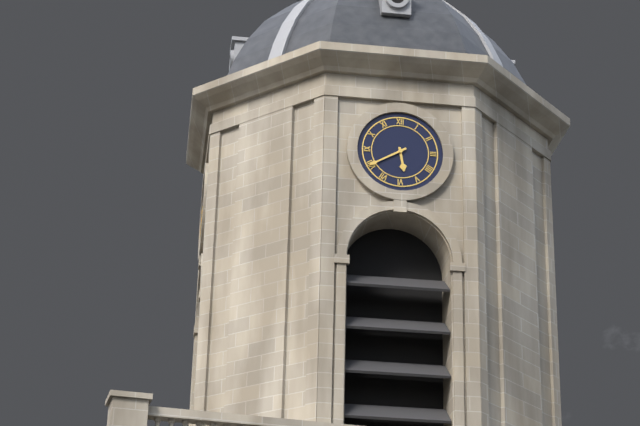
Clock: 5.40
